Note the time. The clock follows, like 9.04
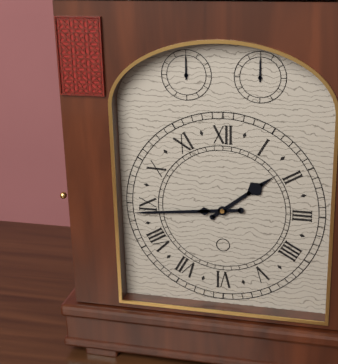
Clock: 1.44
